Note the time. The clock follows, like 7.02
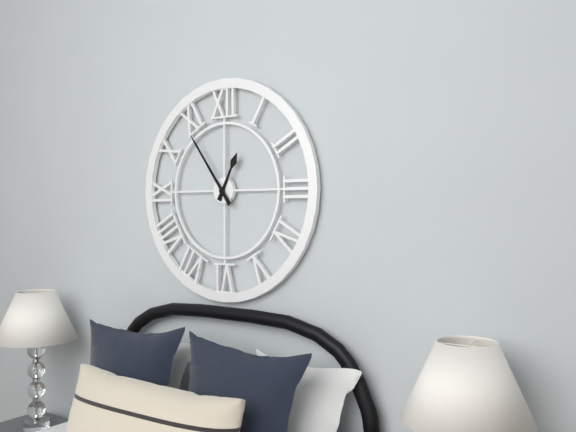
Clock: 12.54
